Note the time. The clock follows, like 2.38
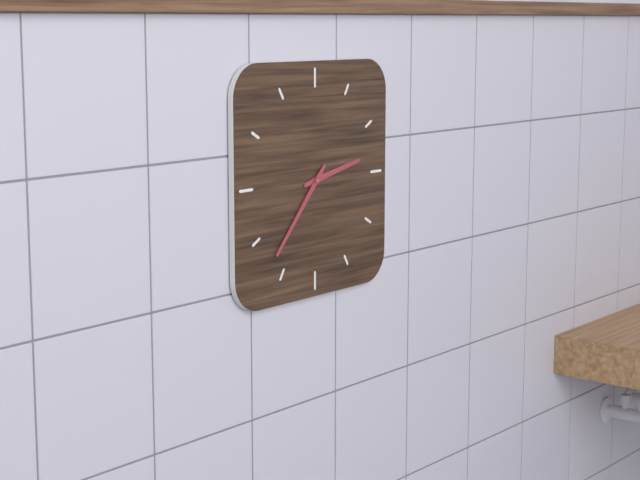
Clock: 2.37
